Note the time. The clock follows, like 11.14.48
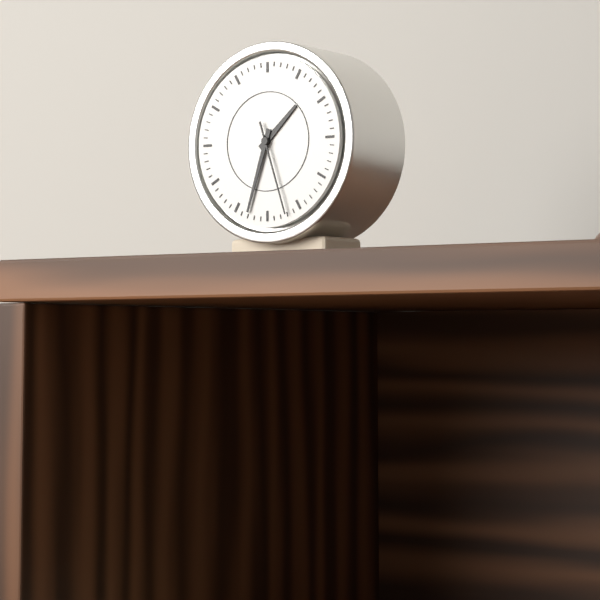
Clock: 1.33.27
